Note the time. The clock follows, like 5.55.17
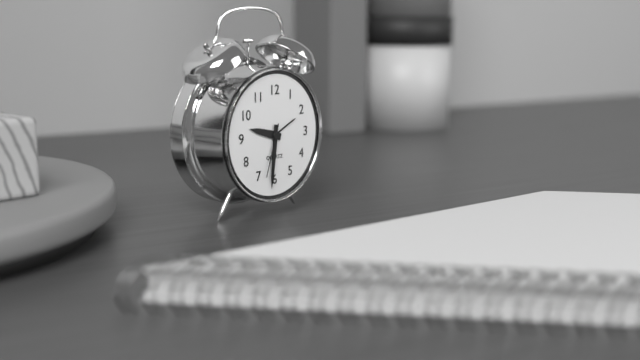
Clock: 9.31.33
